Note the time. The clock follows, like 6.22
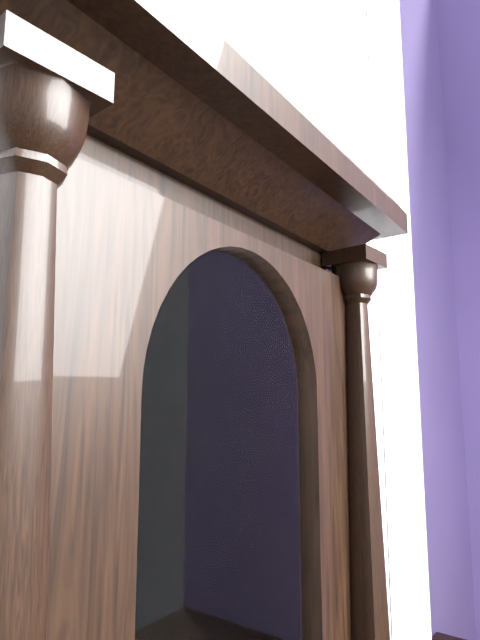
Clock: 10.38
